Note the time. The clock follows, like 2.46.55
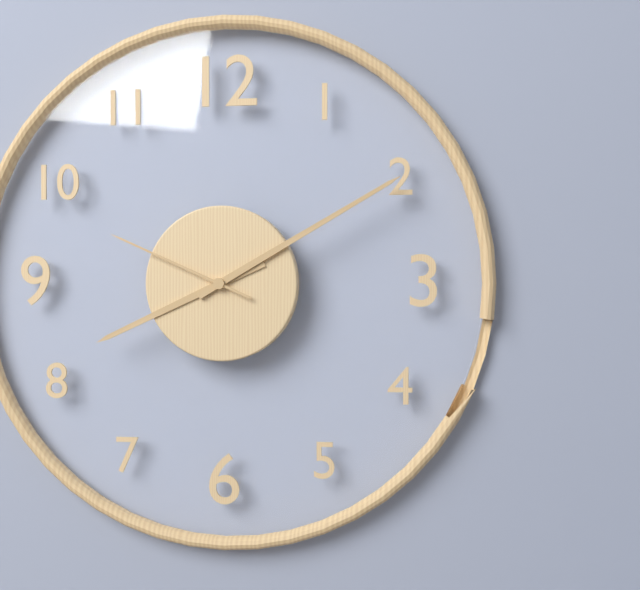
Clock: 8.10.49
